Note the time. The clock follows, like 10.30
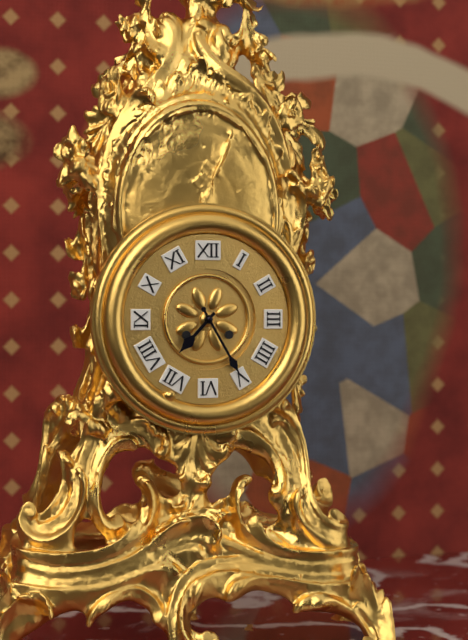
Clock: 7.25
